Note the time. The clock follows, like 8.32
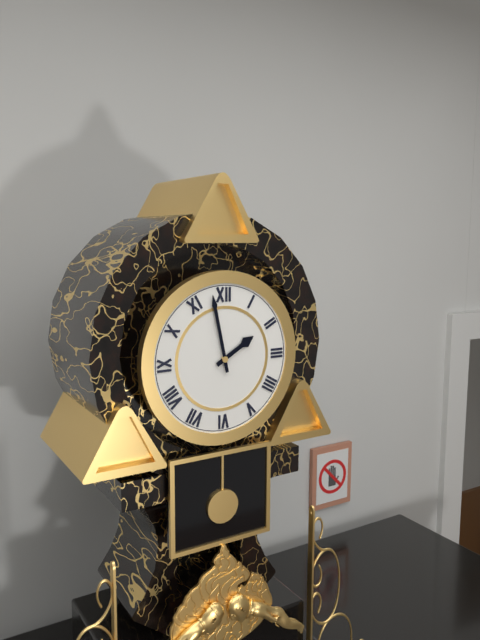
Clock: 1.58
